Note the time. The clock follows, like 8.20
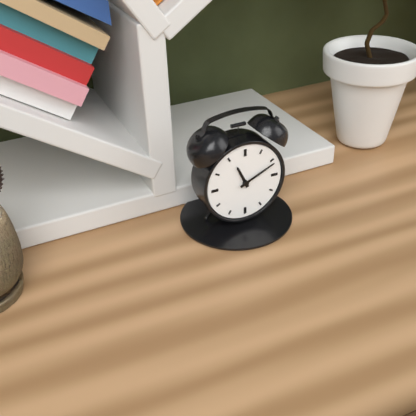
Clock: 11.11
